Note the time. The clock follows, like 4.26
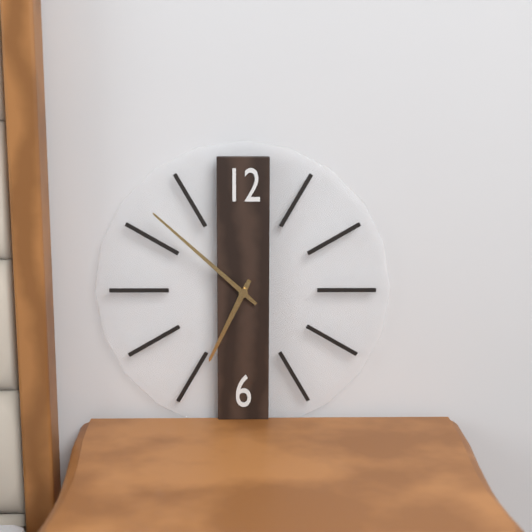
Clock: 6.52
